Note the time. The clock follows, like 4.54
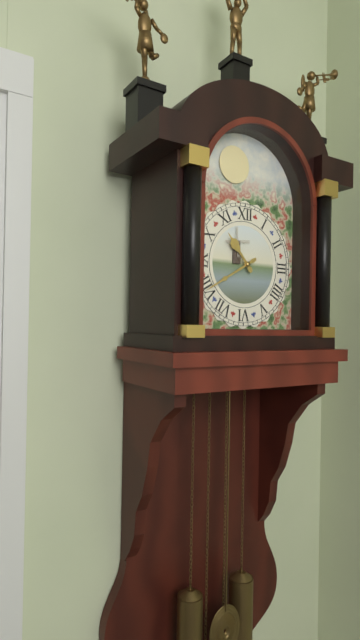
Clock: 10.40
